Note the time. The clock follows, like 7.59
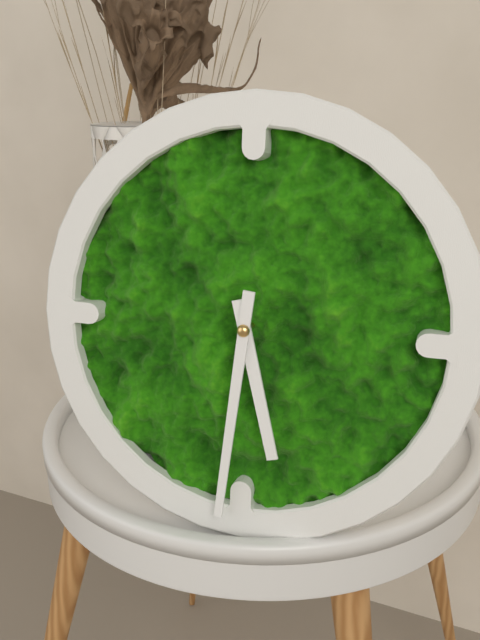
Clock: 5.31
